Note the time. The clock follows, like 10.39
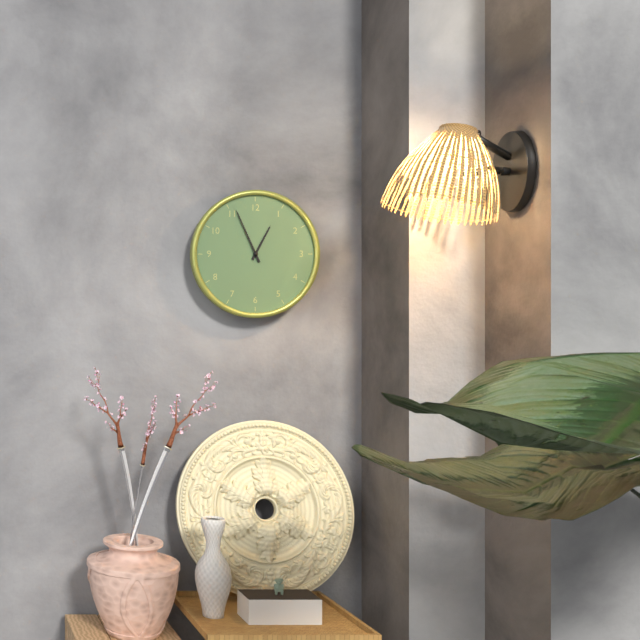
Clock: 12.56
